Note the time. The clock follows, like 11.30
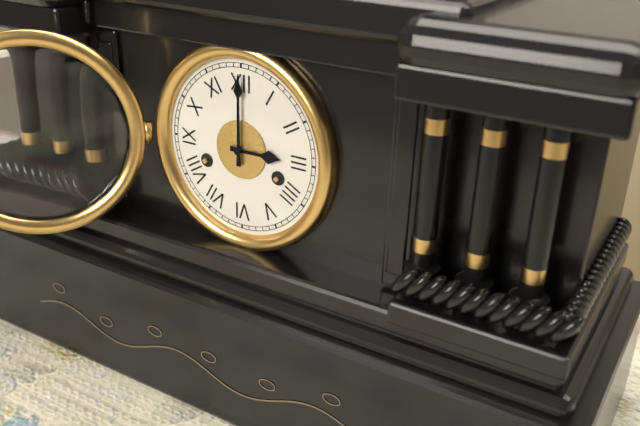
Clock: 3.00
